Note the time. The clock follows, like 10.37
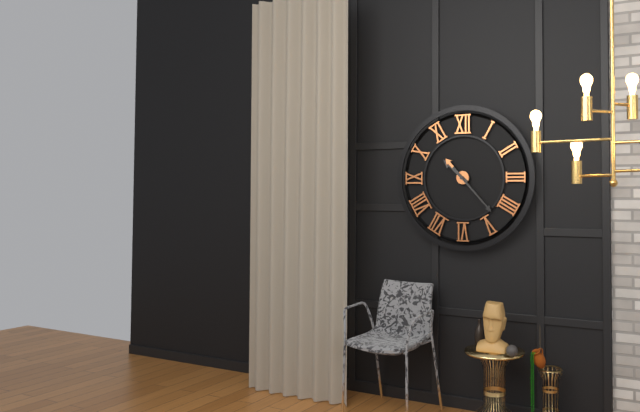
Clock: 10.23
